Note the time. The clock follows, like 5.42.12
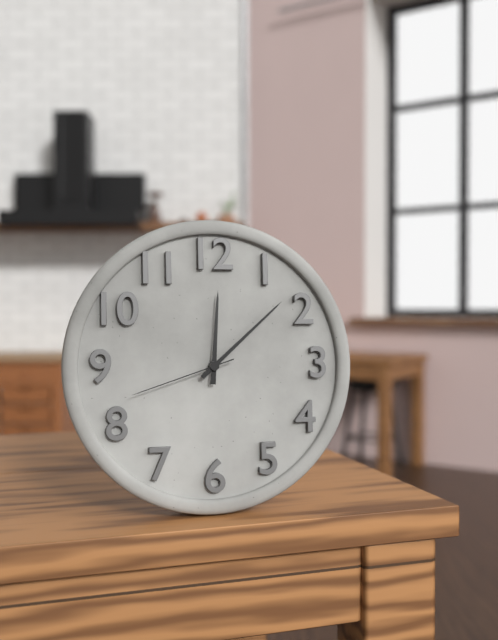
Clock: 12.08.42
